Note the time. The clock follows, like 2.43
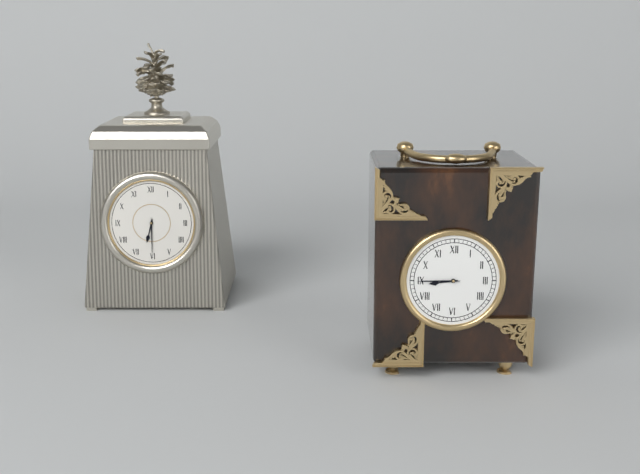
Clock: 8.45
